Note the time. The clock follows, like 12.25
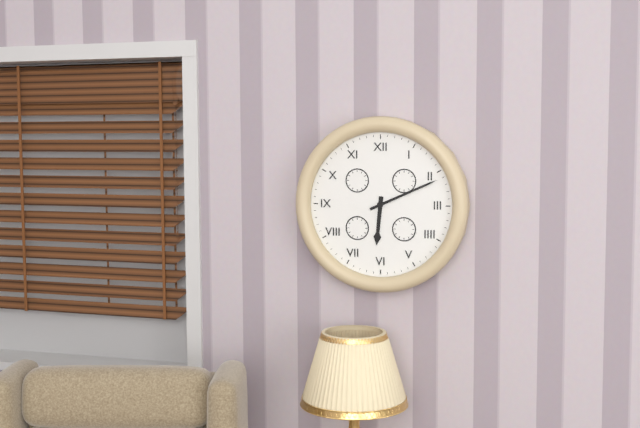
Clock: 6.11
